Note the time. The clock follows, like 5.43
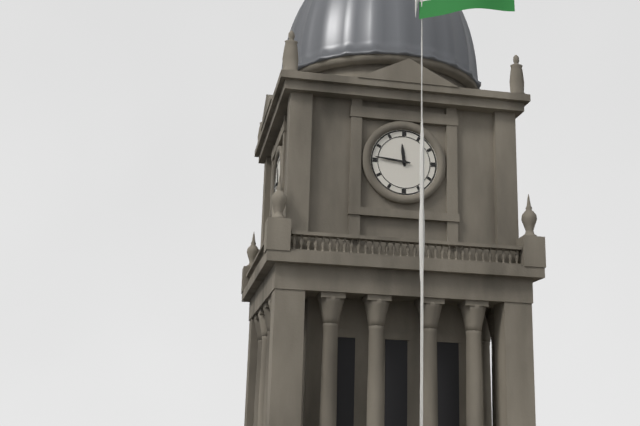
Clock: 11.46
